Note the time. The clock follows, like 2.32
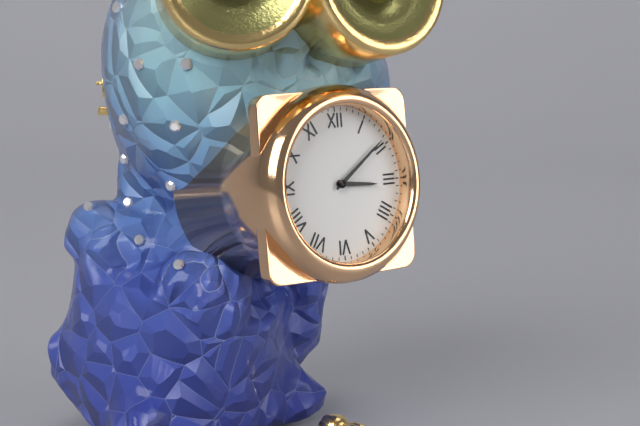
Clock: 3.09
